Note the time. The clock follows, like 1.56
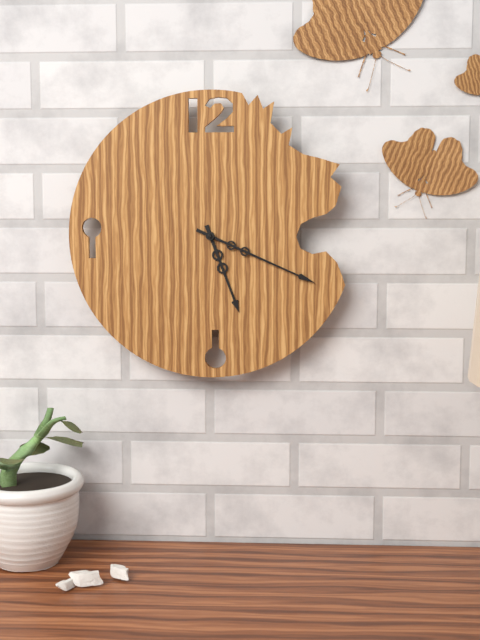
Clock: 5.19
